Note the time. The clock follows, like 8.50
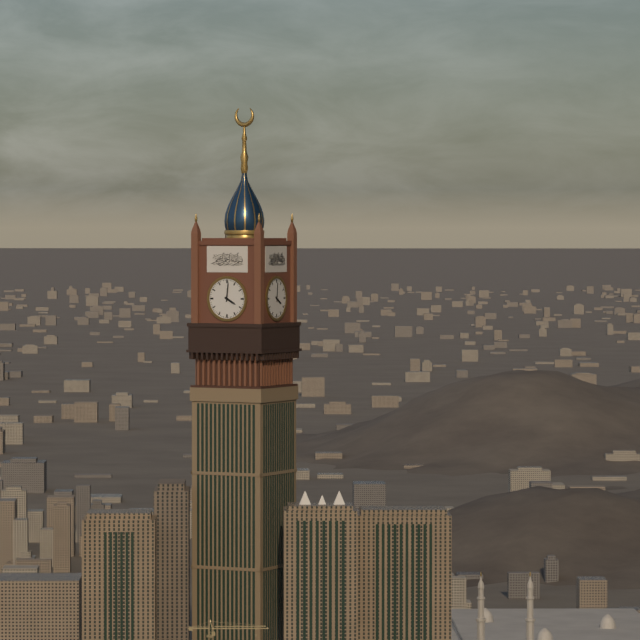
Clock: 4.01
